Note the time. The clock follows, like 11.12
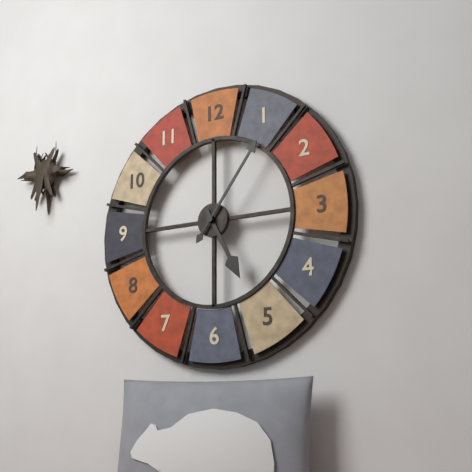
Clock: 5.06
